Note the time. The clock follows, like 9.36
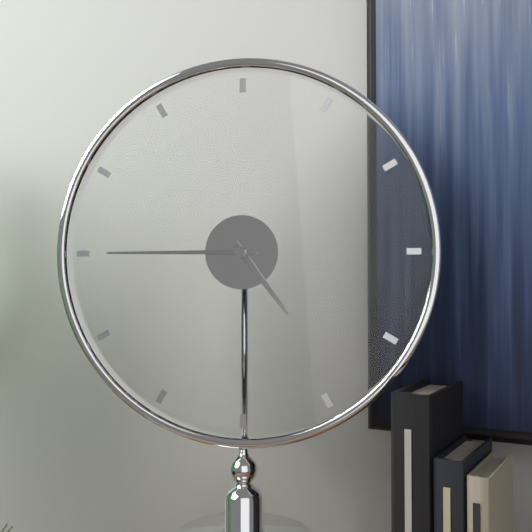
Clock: 4.45
